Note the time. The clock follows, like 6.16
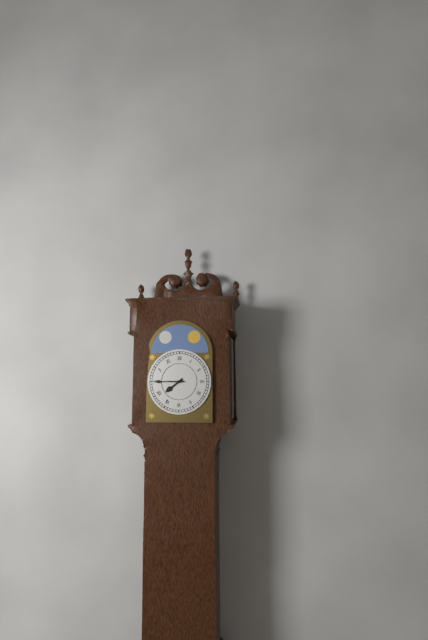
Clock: 7.45
